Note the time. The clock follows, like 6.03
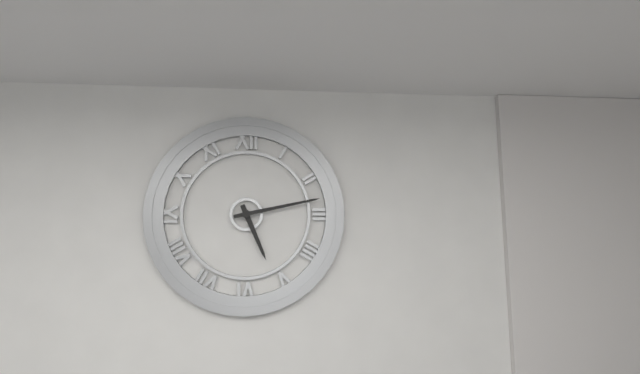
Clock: 5.13
